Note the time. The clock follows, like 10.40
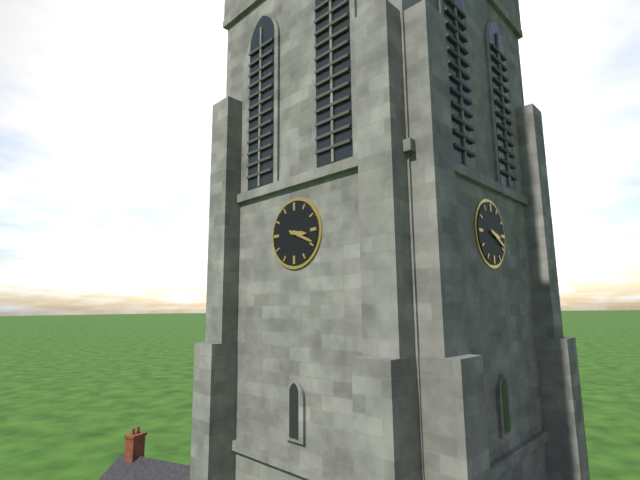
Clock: 3.19
